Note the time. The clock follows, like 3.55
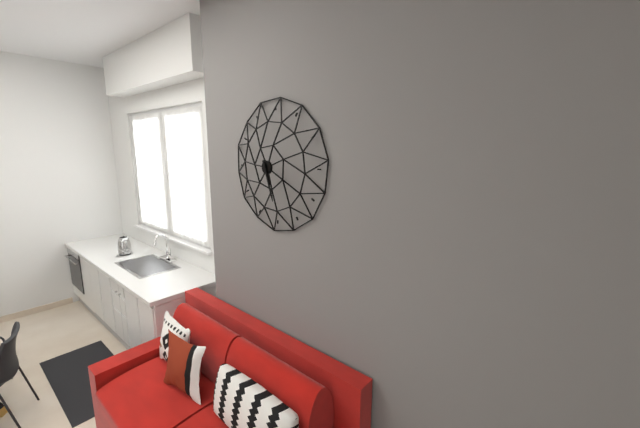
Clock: 5.27
